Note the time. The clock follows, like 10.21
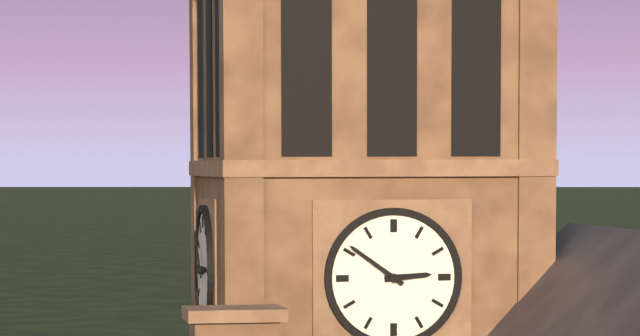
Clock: 2.51
